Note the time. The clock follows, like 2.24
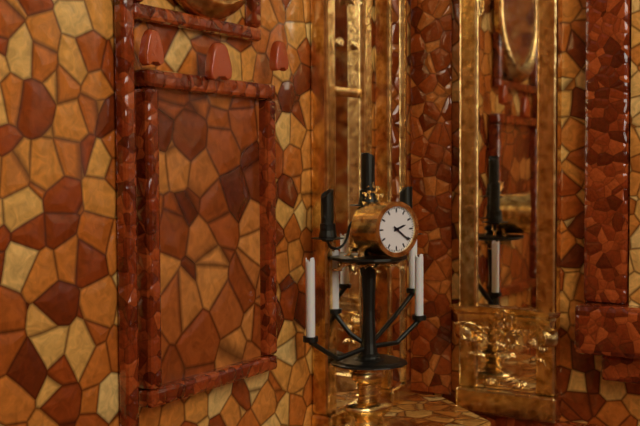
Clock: 2.21
